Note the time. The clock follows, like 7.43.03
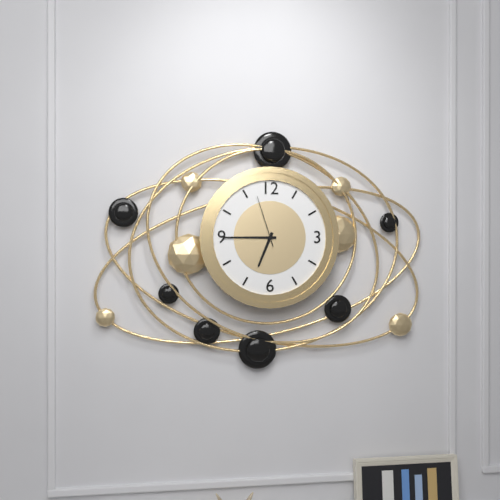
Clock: 6.45.57
